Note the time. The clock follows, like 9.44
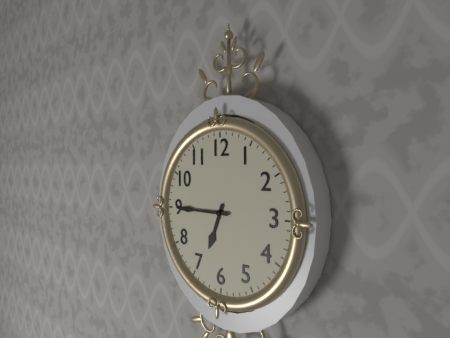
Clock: 6.45
